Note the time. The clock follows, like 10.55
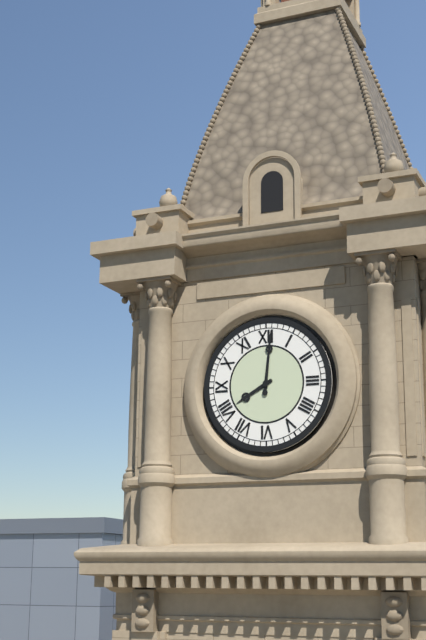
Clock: 8.01
